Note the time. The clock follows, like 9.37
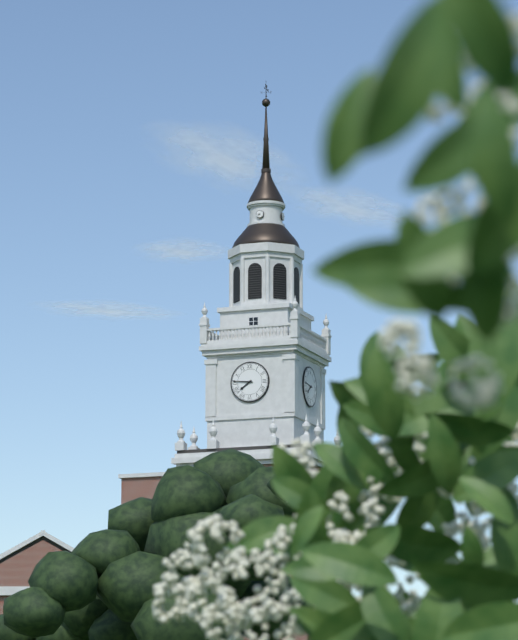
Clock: 7.46
